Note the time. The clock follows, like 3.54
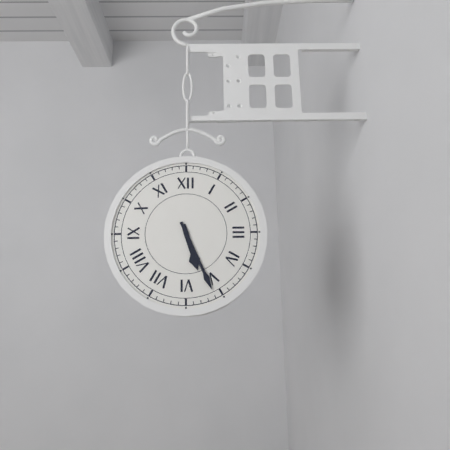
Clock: 5.26
